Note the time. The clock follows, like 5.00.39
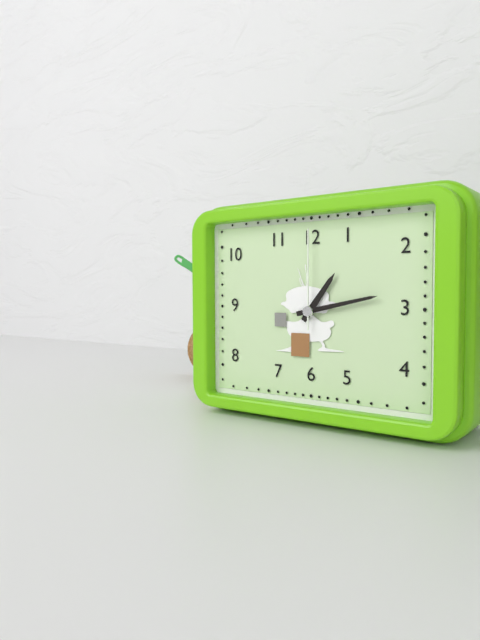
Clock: 1.13.00
